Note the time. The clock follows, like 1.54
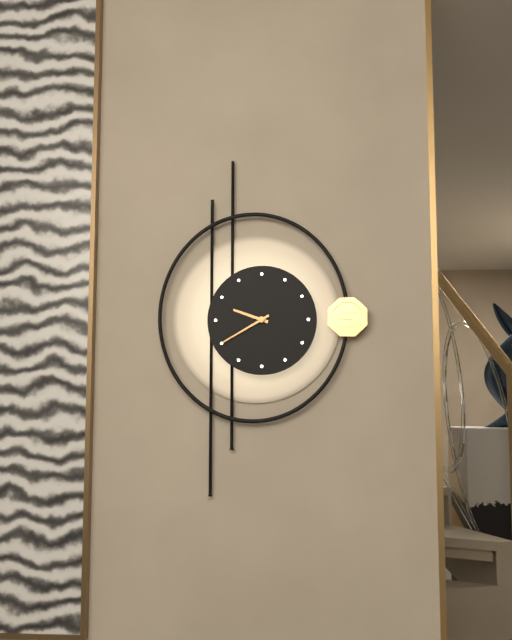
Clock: 9.40
